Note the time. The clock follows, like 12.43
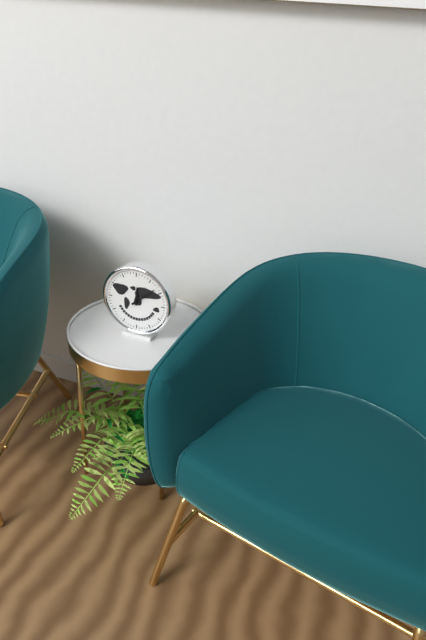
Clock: 12.08
